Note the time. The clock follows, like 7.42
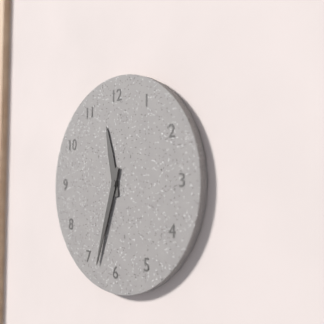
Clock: 11.33
